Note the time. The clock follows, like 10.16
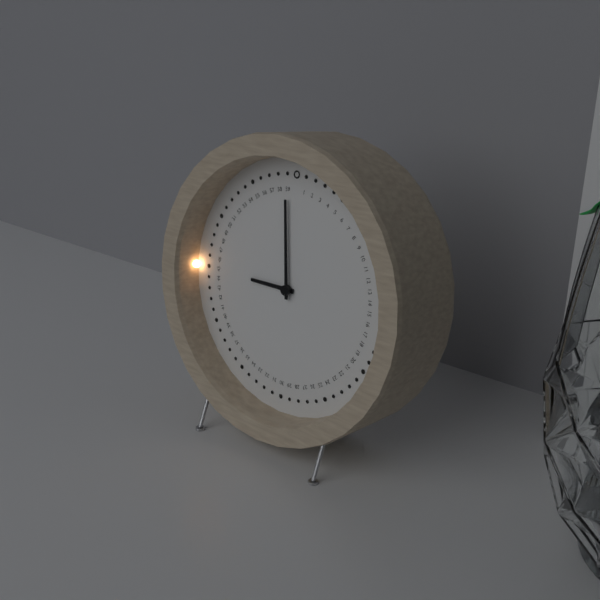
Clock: 8.59
